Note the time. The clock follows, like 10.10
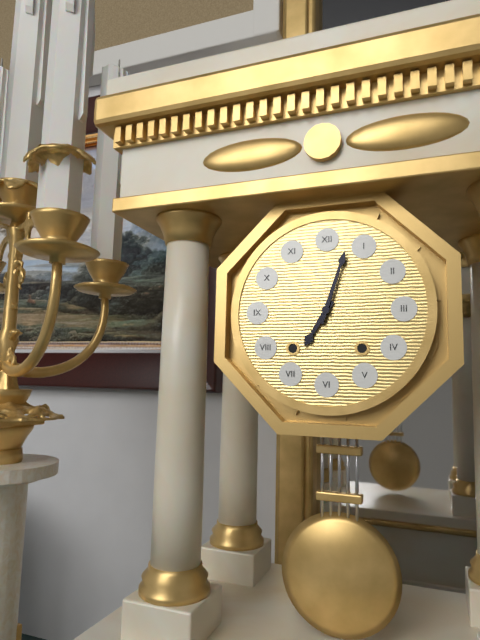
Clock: 7.03
